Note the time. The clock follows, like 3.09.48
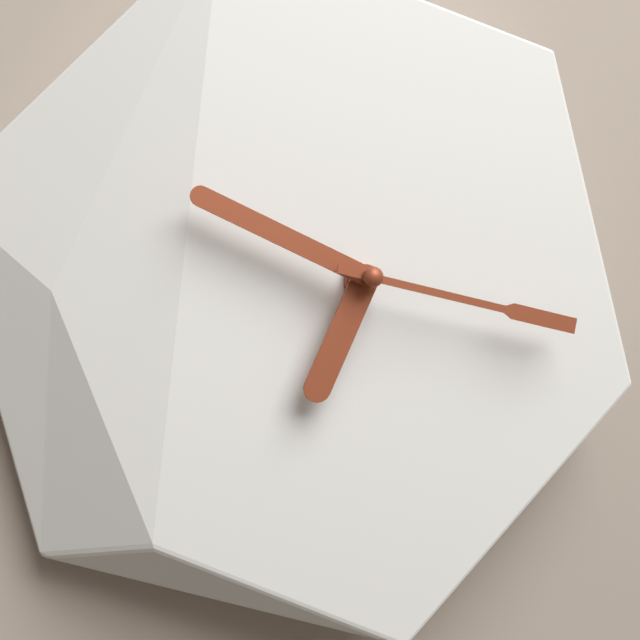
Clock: 6.49.17
